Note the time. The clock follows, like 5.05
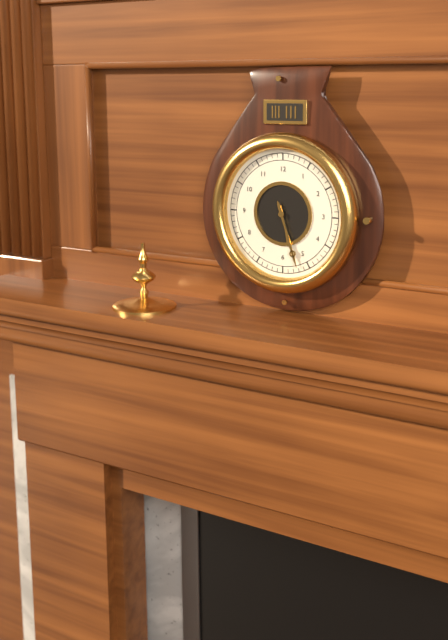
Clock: 5.27
